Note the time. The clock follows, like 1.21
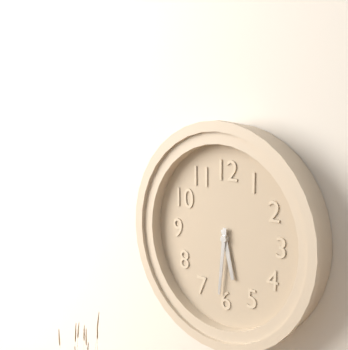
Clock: 5.31
